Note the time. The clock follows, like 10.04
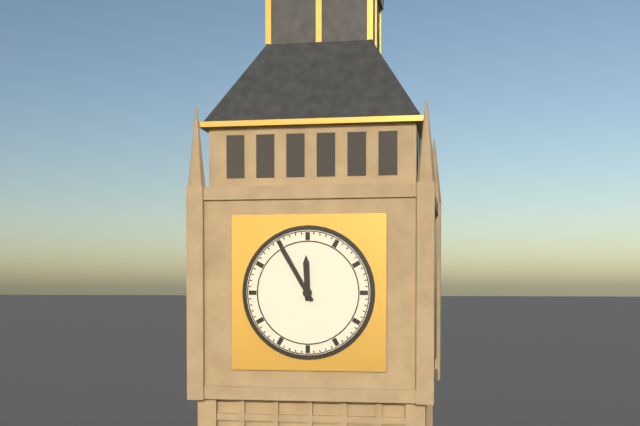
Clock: 11.55
